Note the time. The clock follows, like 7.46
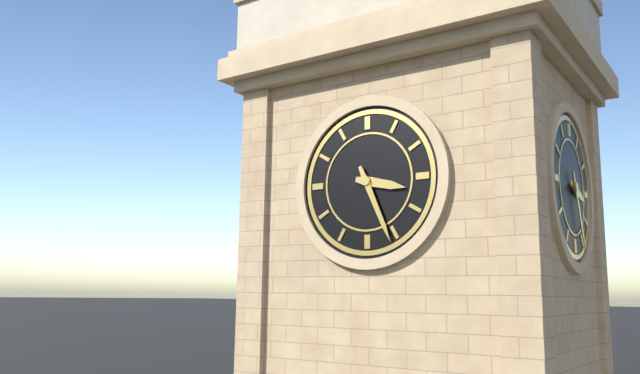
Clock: 3.26
